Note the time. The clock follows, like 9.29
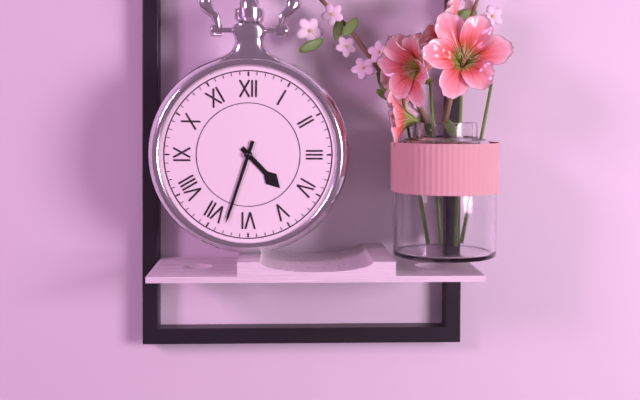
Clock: 4.33
